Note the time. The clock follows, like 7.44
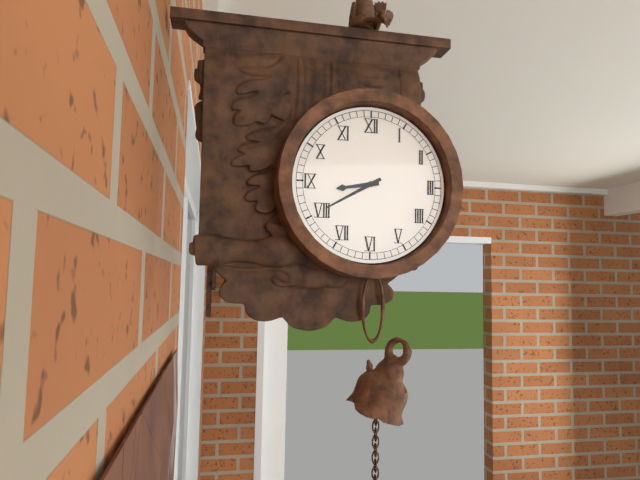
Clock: 8.40
